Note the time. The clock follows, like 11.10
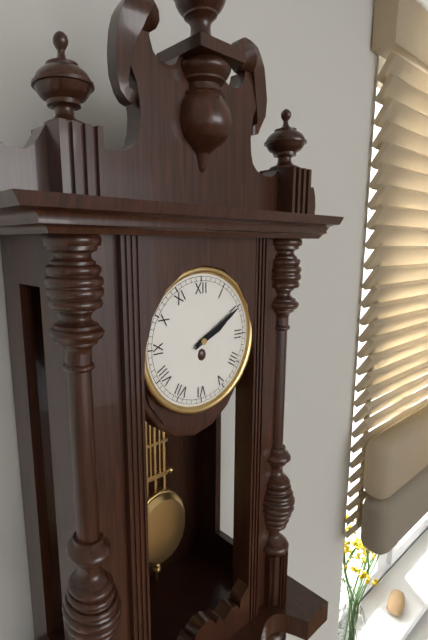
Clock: 2.10
